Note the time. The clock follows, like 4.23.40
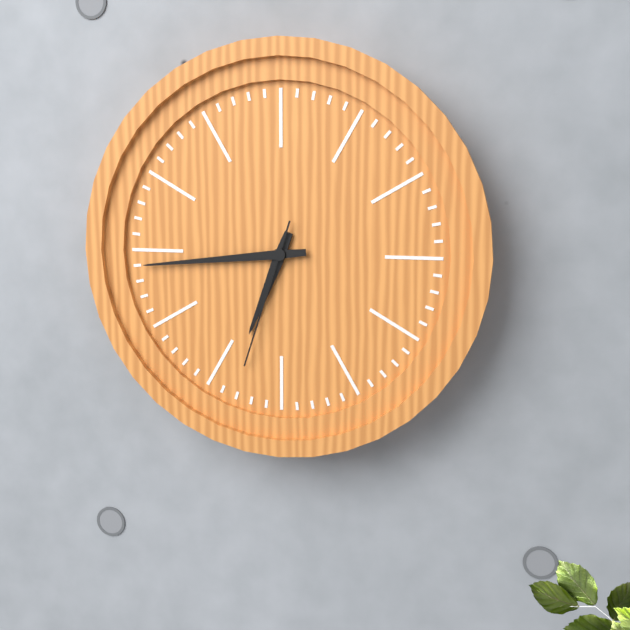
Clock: 6.44.33
